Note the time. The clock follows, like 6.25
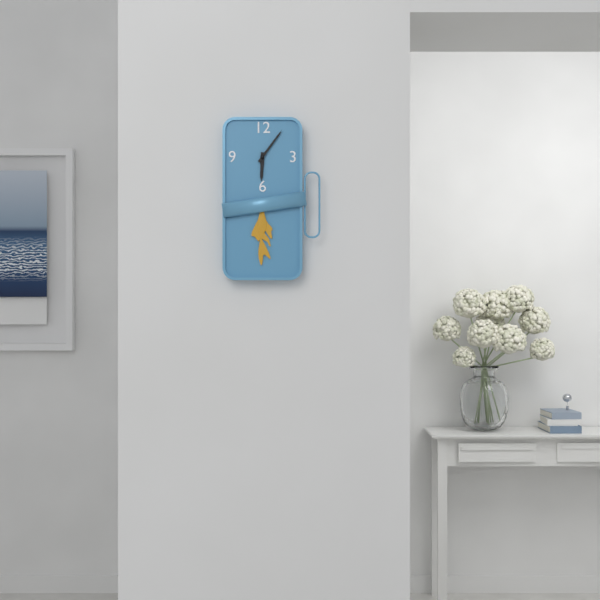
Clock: 6.06
